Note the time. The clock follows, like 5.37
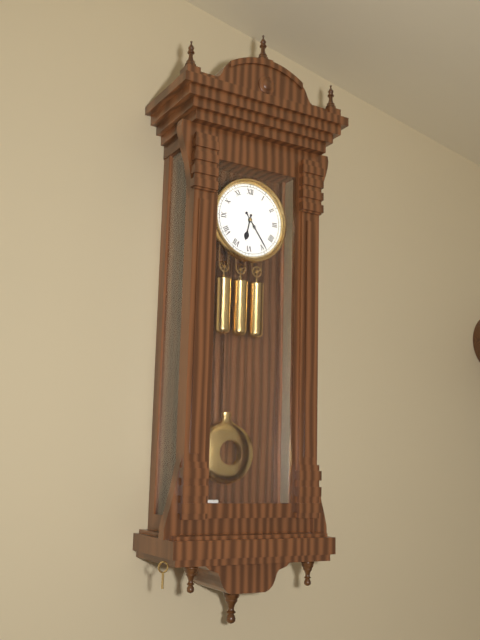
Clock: 6.24
